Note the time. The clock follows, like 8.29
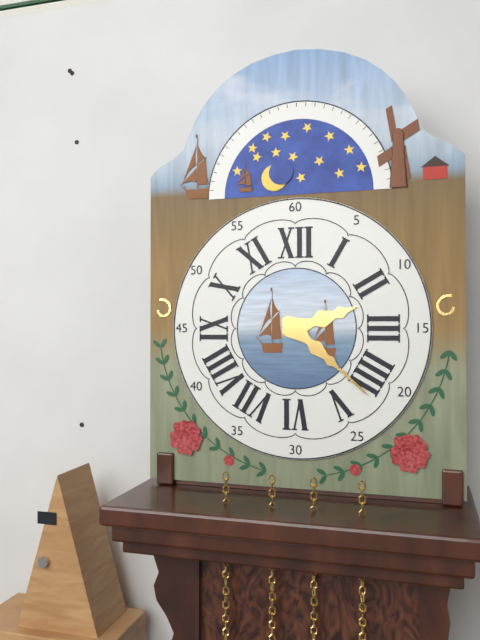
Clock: 2.22
